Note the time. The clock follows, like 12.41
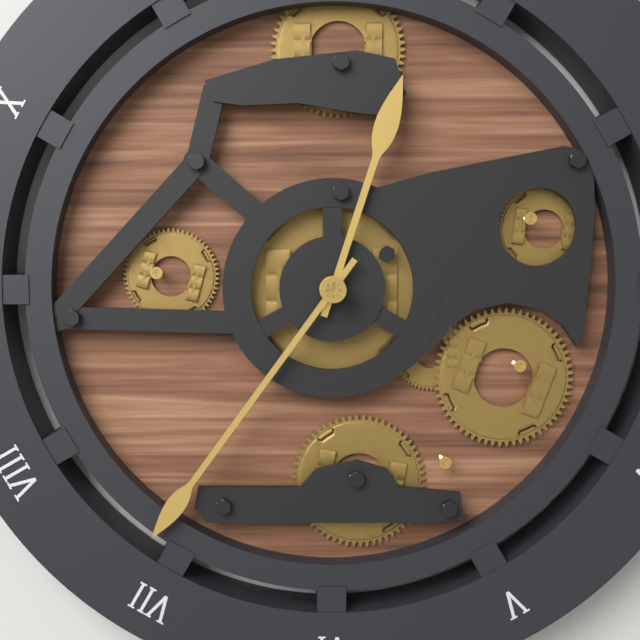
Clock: 12.36
